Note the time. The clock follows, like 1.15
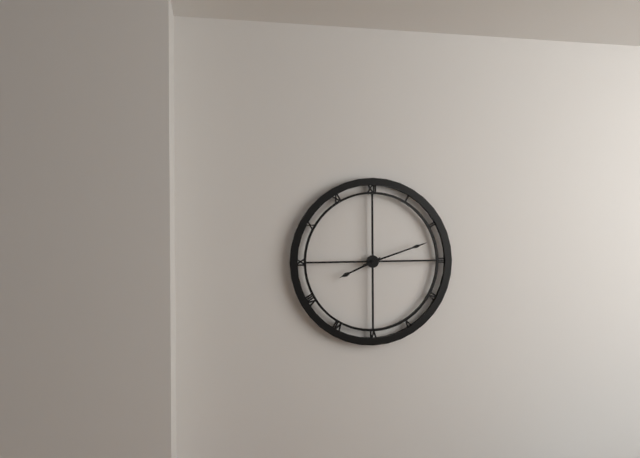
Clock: 8.12
